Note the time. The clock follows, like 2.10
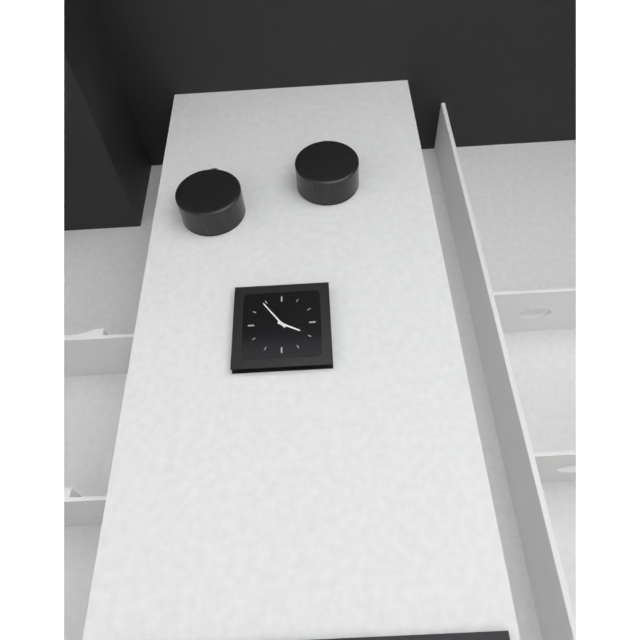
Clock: 3.54
